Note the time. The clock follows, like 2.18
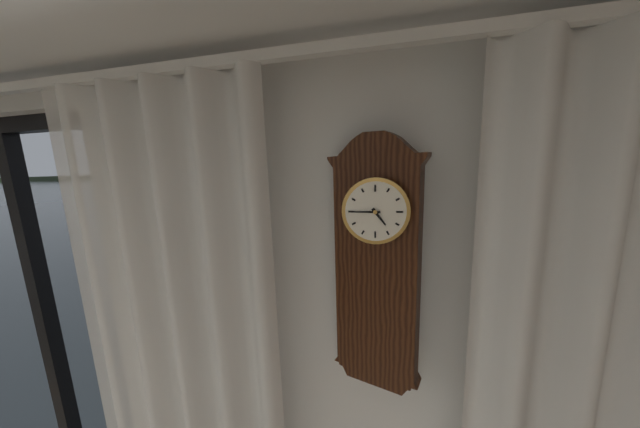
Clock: 4.45
